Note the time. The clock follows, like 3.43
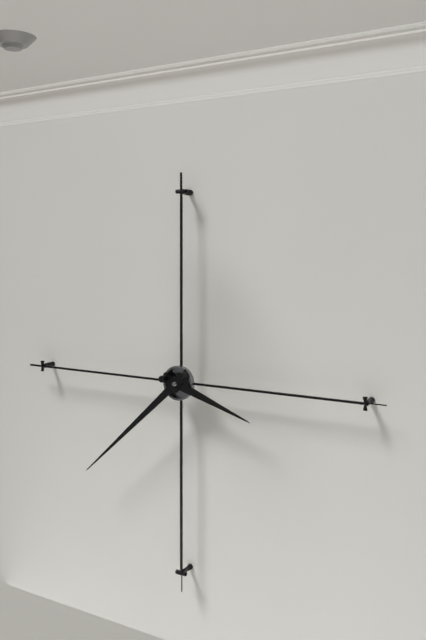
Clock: 3.38
